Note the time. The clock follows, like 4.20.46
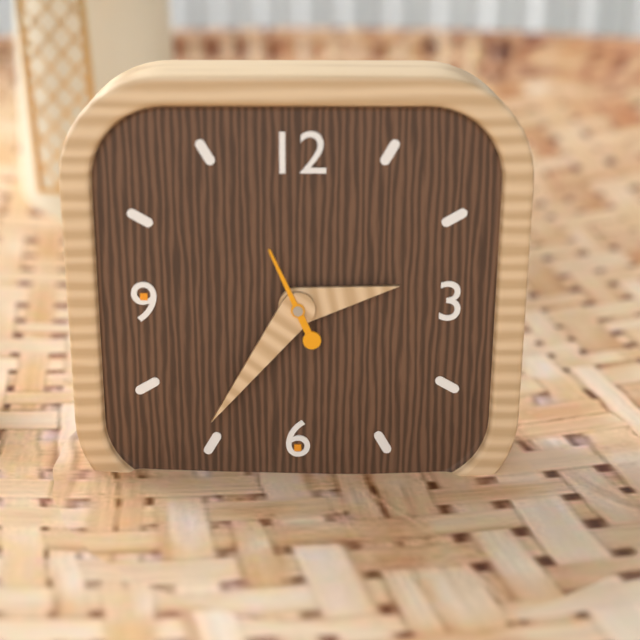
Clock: 2.36.56
